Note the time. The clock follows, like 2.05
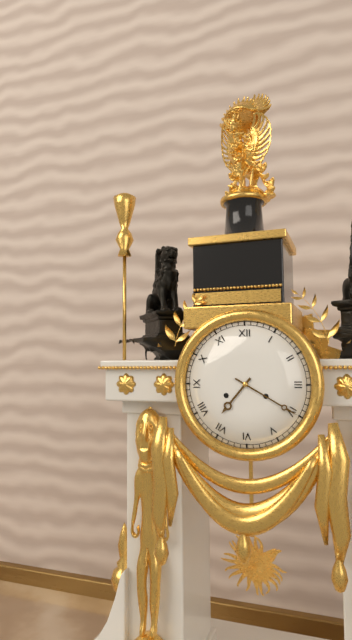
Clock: 7.20
